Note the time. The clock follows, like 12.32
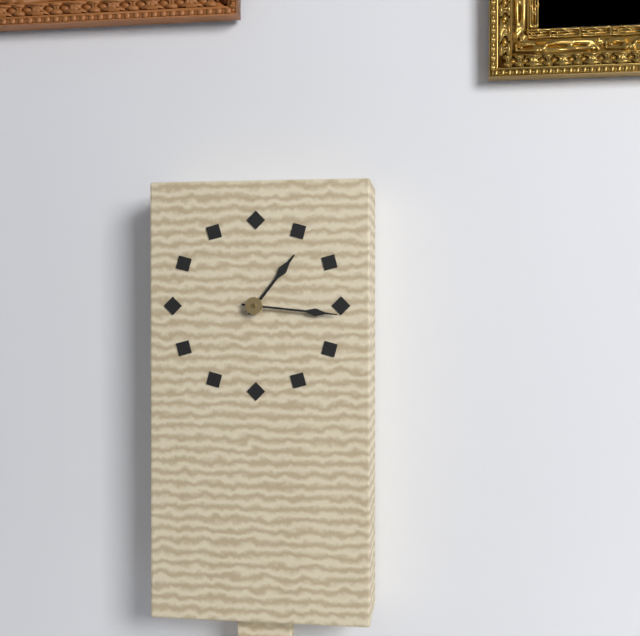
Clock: 1.16
